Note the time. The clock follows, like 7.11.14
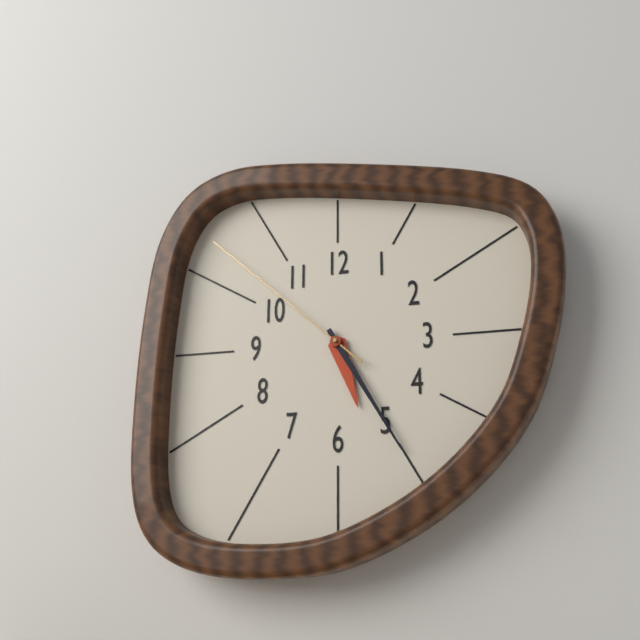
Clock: 5.25.52
